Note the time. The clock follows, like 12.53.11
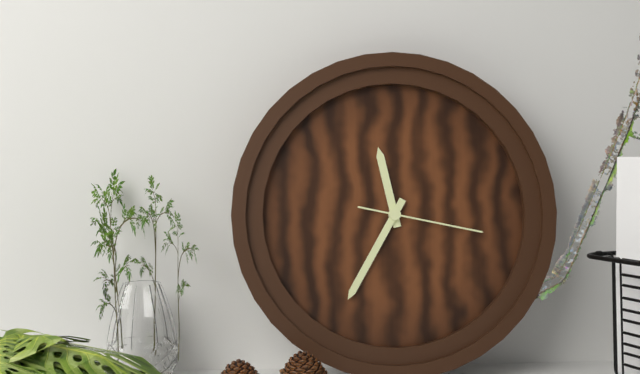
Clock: 11.35.17
